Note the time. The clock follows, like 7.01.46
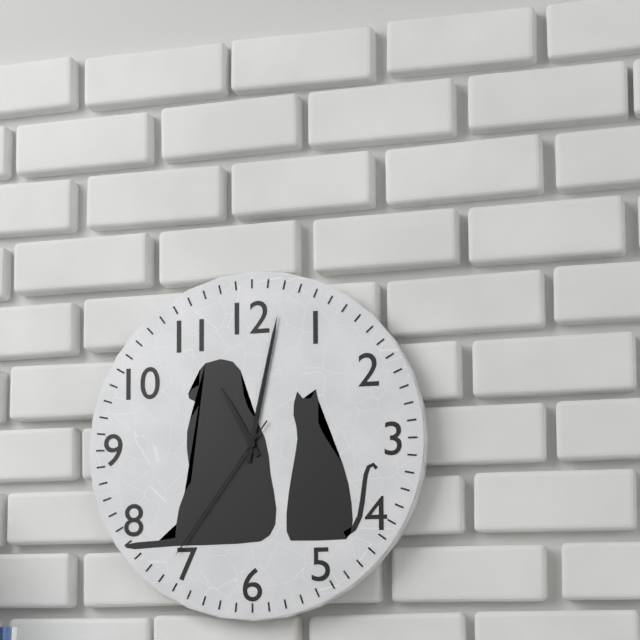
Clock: 11.02.36
